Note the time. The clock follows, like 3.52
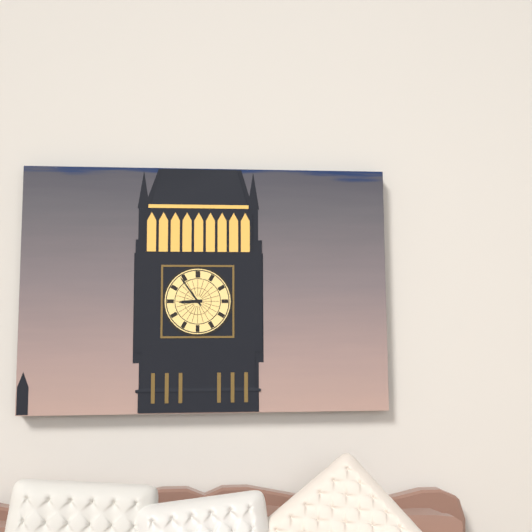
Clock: 8.54
